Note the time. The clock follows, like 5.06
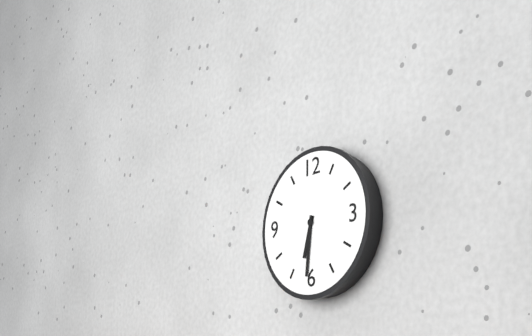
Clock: 6.31
